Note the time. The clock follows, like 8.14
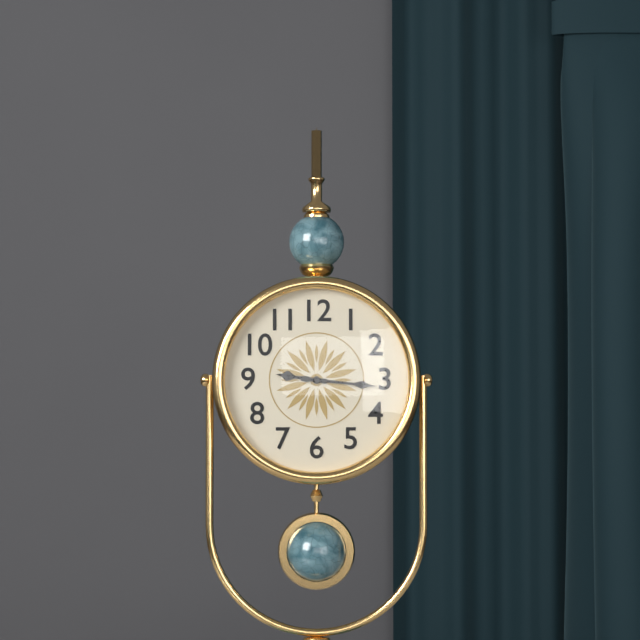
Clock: 9.16
